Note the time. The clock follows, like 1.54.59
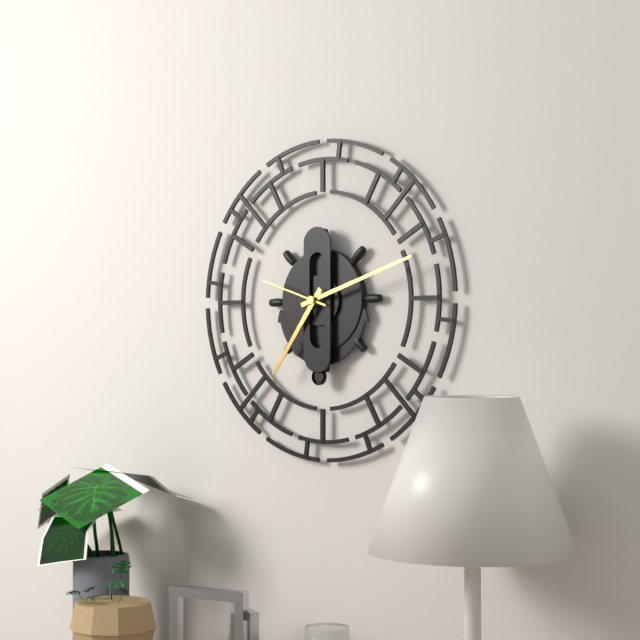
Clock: 7.12.48
